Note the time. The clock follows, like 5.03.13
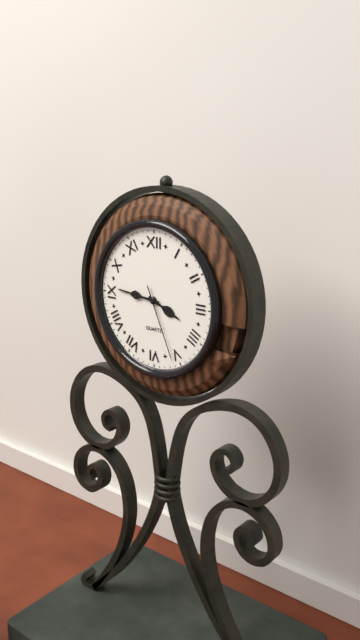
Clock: 3.46.26
